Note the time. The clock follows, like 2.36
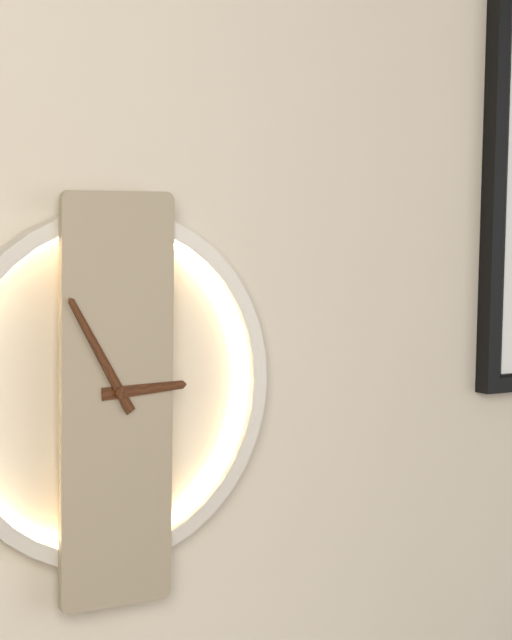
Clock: 2.55
